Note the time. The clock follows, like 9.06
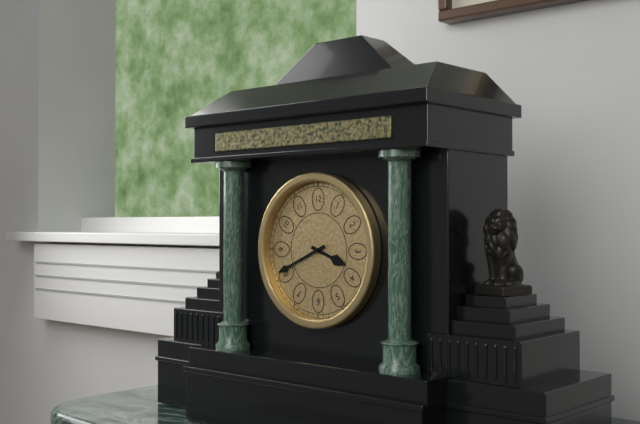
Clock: 3.41
